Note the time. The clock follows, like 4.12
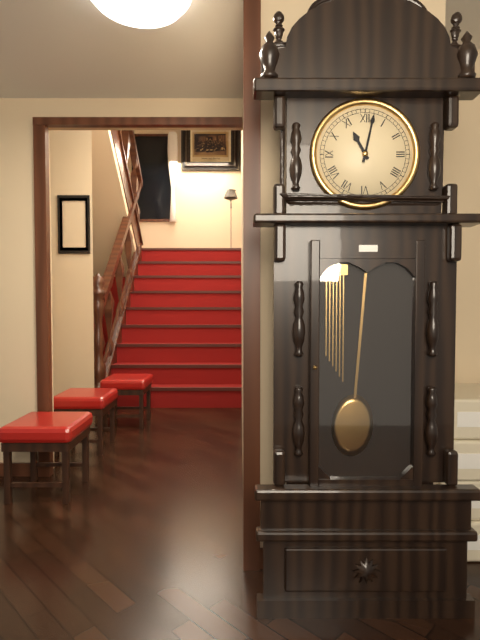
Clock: 11.02
